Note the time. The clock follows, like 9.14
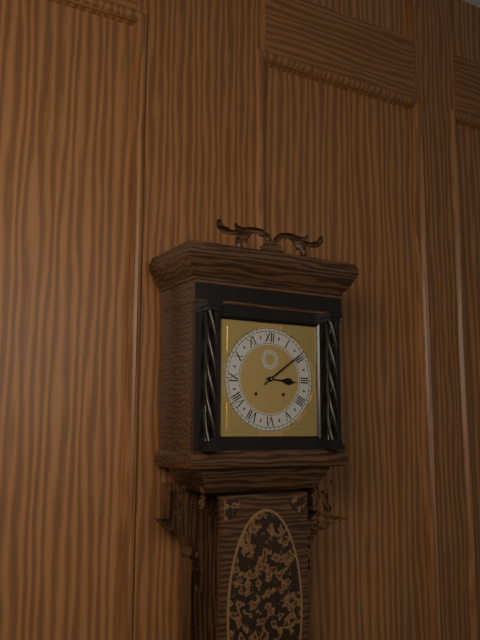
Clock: 3.09
